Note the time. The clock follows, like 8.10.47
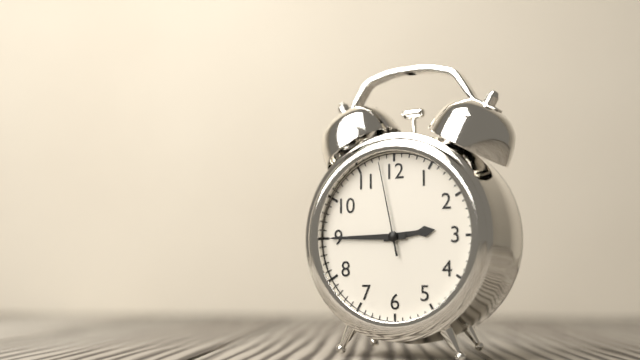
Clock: 2.45.58
